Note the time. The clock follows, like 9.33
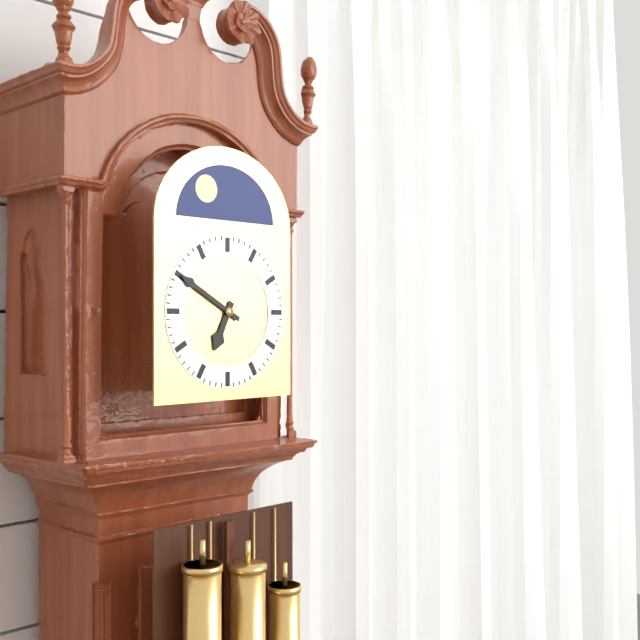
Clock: 6.50
